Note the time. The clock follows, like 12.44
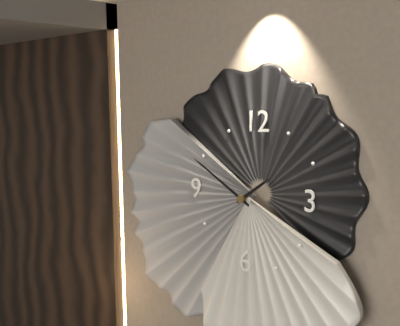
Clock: 1.50
